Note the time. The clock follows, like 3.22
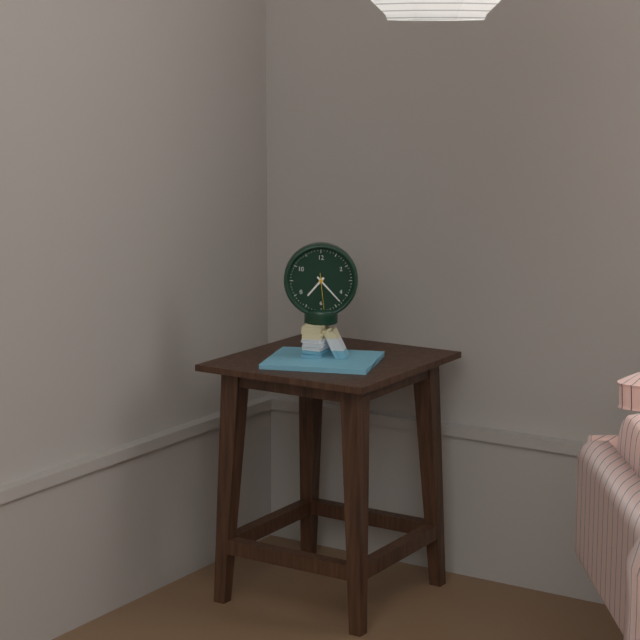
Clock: 7.23
